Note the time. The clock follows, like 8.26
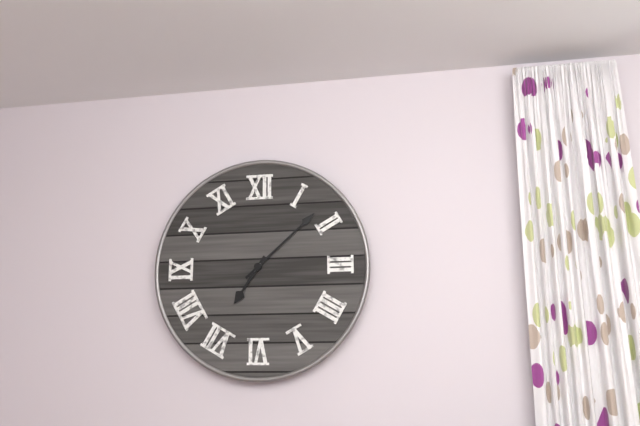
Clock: 7.08
